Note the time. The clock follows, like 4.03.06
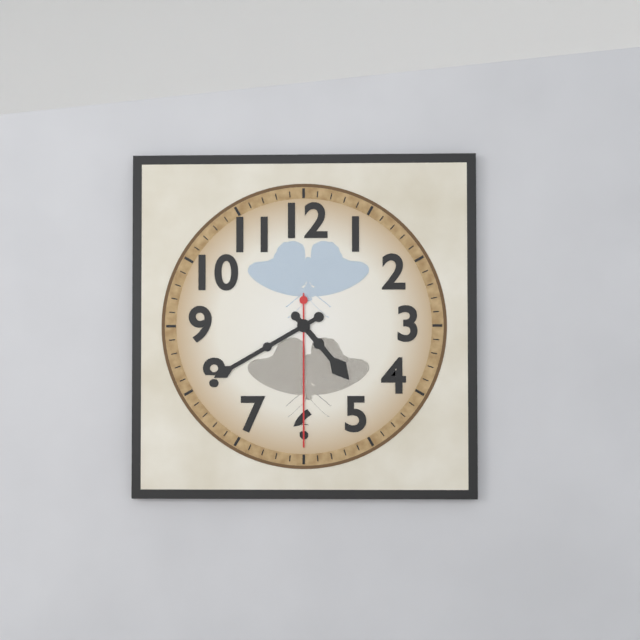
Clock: 4.40.30
